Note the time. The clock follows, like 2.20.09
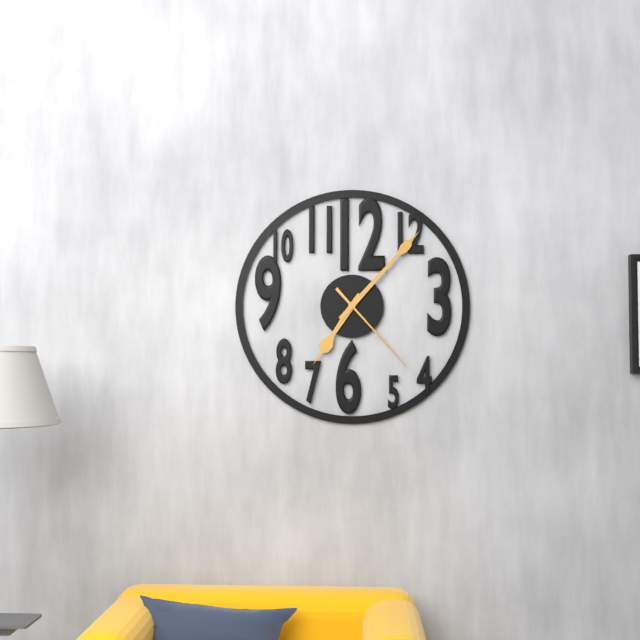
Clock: 7.07.23
